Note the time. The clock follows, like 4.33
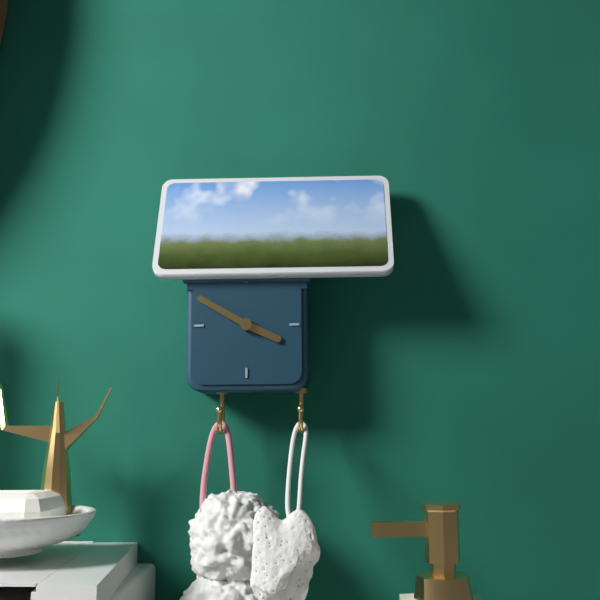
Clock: 3.50
